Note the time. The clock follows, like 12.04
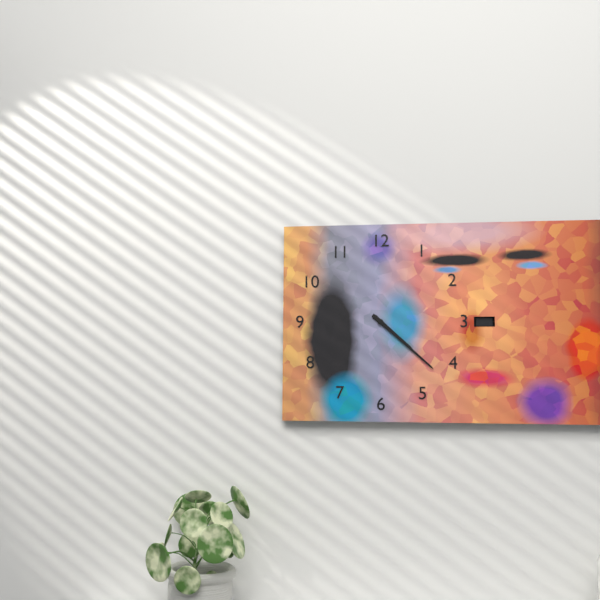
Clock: 4.22
